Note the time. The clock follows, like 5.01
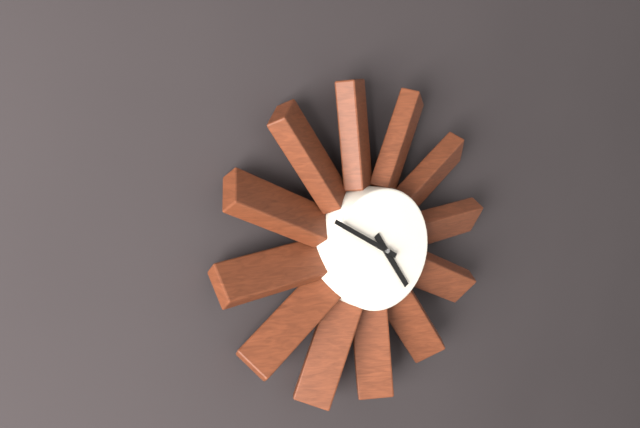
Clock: 4.50
